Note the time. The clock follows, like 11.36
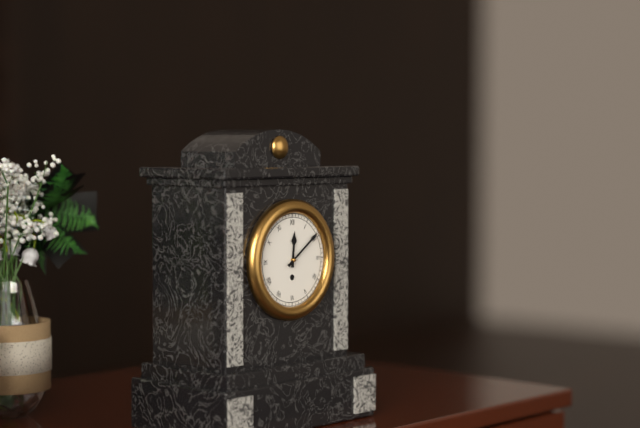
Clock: 12.09
